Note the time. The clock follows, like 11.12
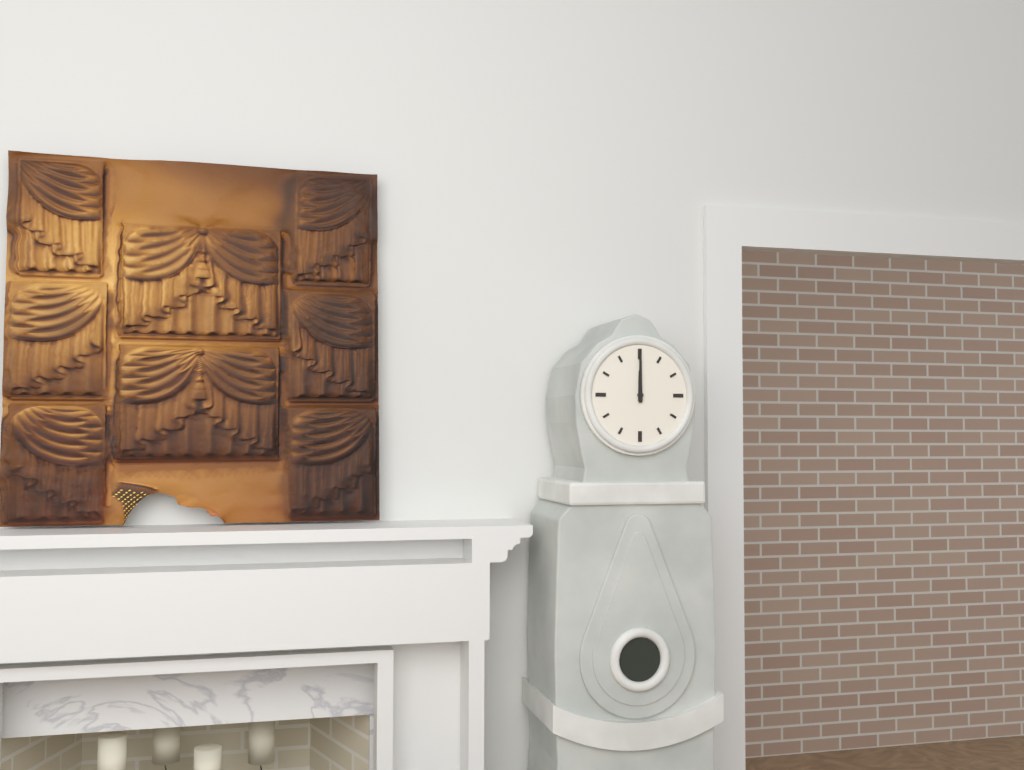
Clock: 12.00
